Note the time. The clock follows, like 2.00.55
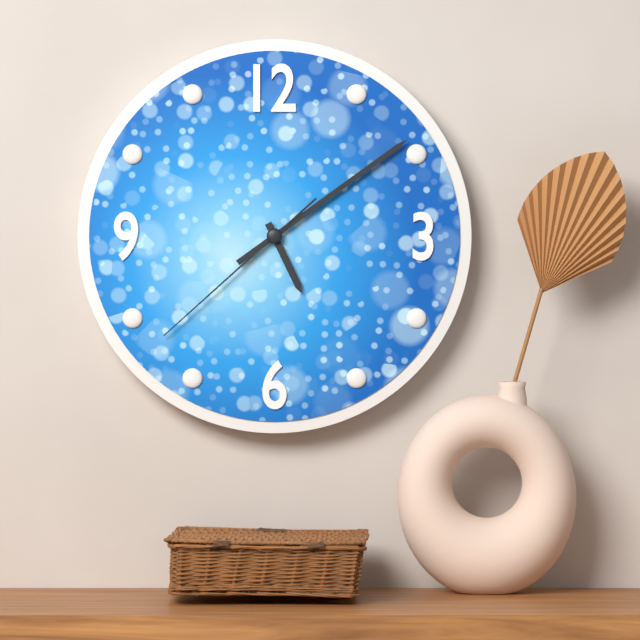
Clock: 5.09.38
